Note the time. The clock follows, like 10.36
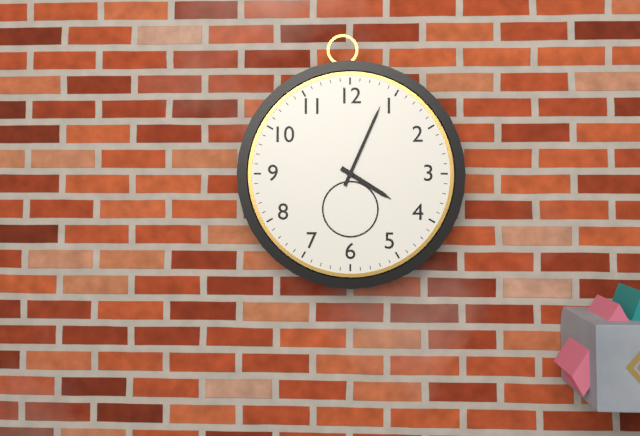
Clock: 4.04
